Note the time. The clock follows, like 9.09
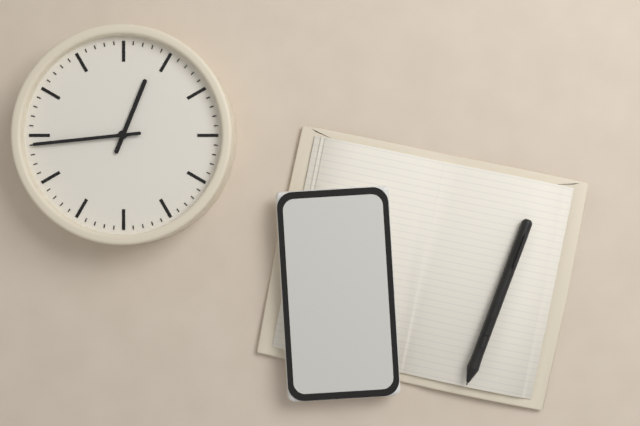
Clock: 12.44
